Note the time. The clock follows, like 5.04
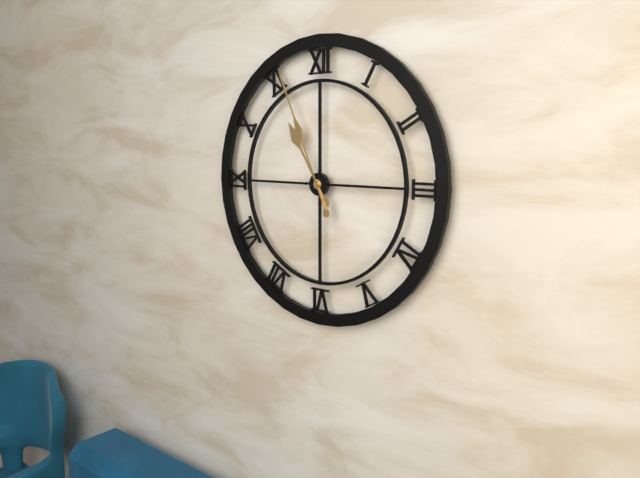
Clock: 10.56
